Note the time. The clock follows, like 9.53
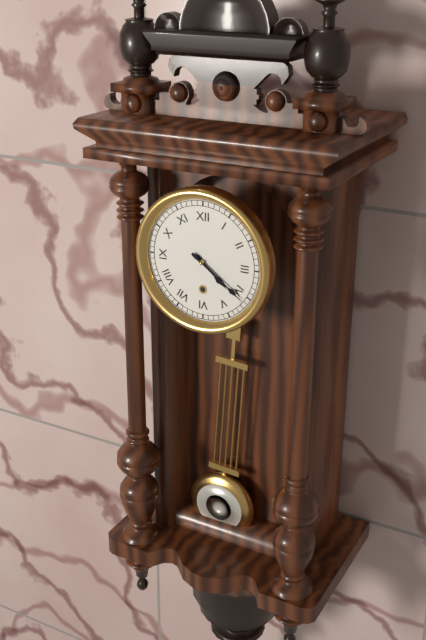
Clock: 4.21
